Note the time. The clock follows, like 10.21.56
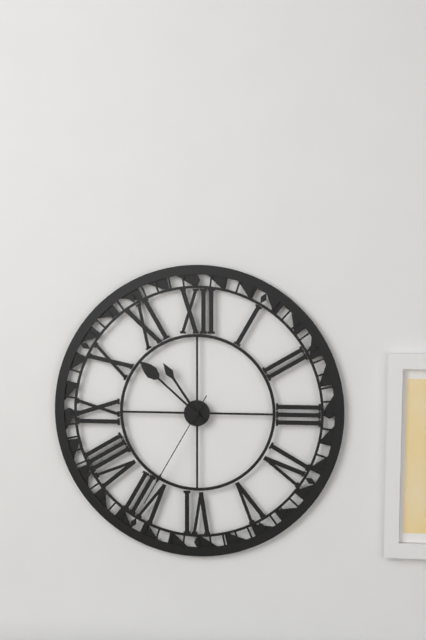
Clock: 10.52.35
